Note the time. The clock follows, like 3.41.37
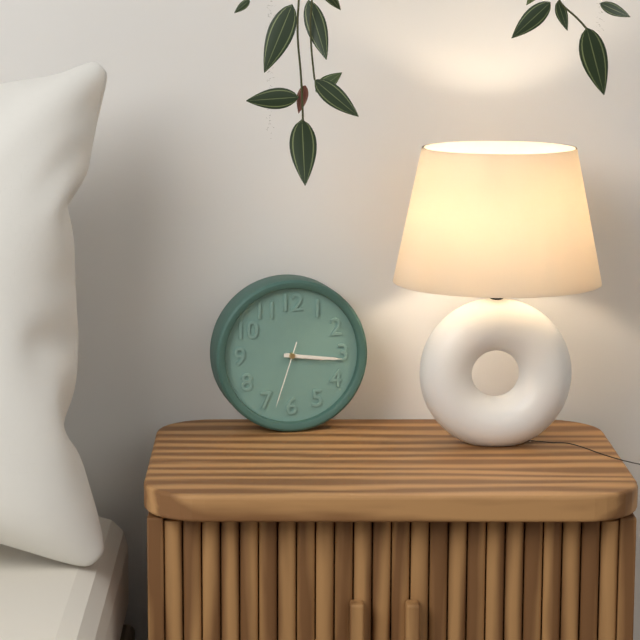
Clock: 3.16.33
